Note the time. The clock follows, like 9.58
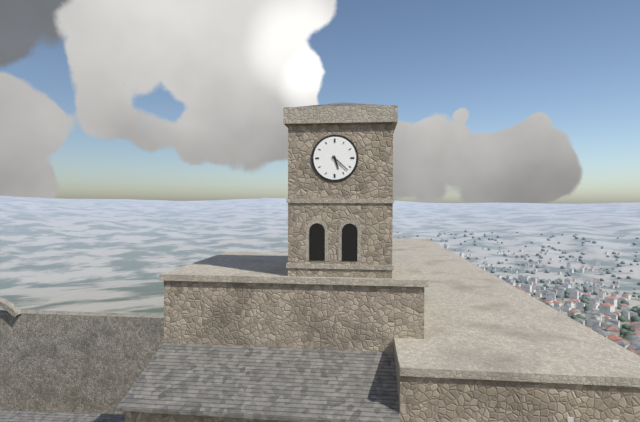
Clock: 5.22
